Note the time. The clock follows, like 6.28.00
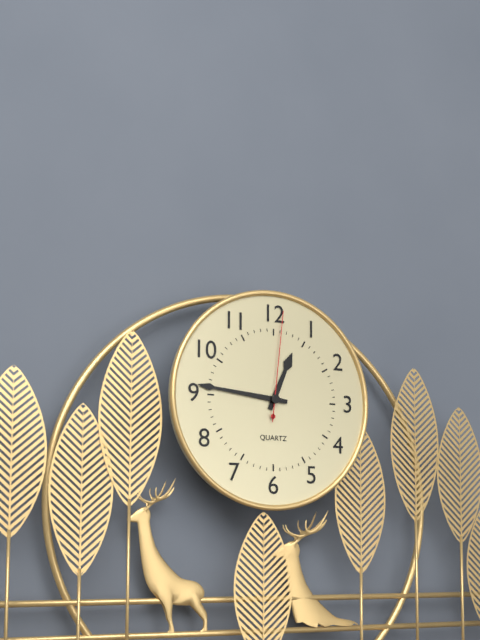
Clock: 12.46.01
